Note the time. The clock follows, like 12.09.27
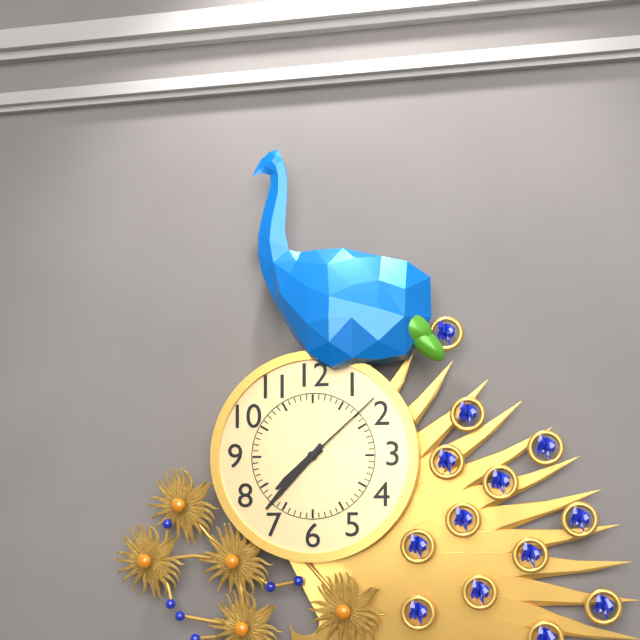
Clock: 7.37.08
